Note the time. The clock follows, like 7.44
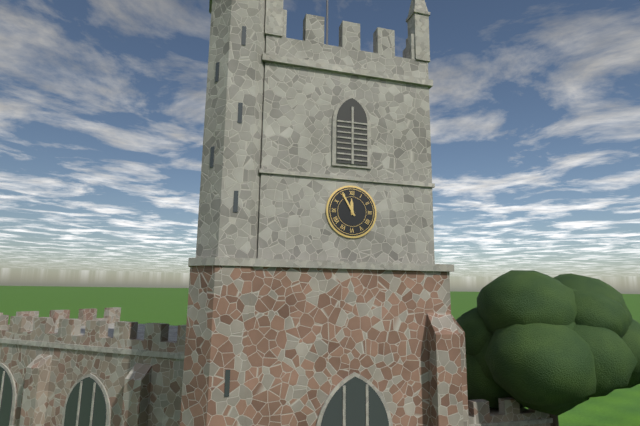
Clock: 11.55
